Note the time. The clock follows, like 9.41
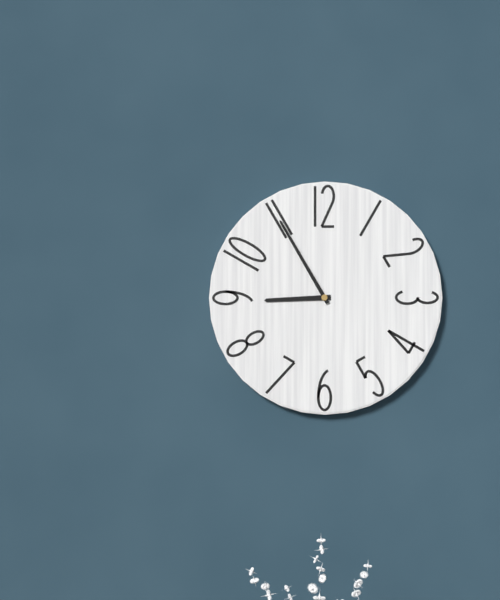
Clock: 8.55
